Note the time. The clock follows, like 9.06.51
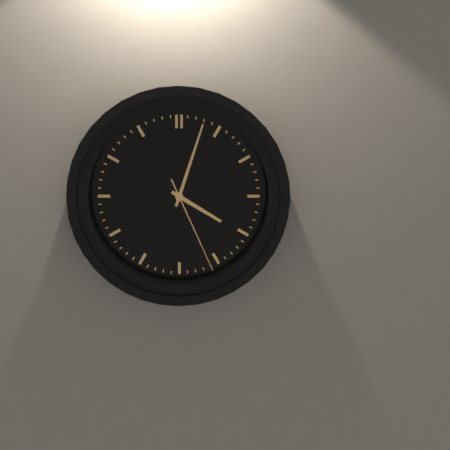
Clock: 4.03.26
